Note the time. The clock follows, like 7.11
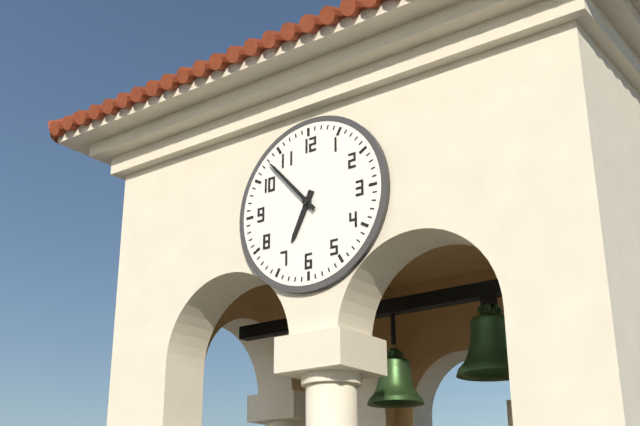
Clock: 6.53
